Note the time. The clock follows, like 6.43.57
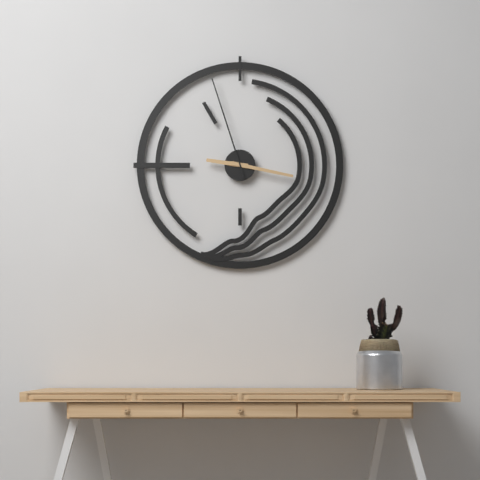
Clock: 9.17.57
